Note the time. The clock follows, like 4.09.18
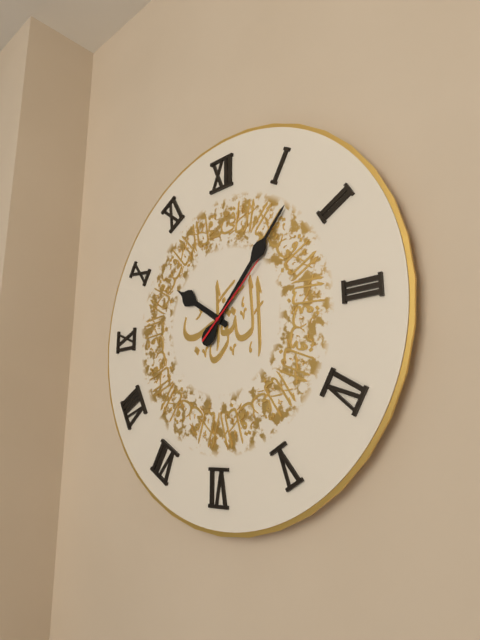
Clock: 10.07.08
